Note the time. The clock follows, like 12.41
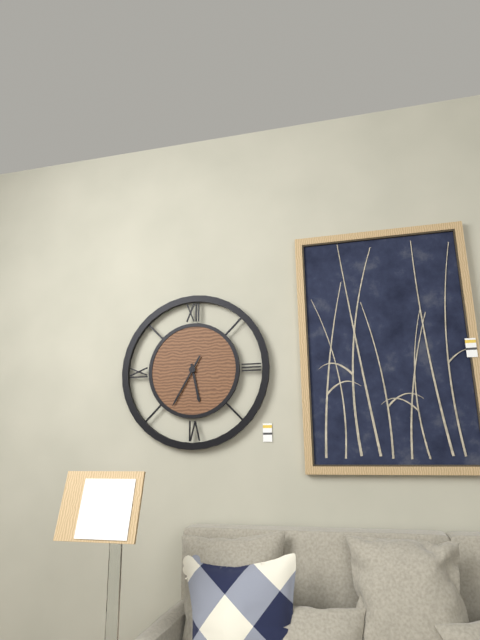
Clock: 5.35
